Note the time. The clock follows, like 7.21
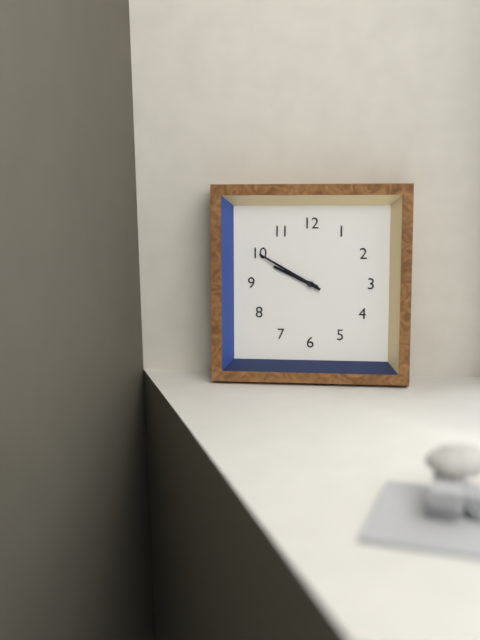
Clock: 9.50
